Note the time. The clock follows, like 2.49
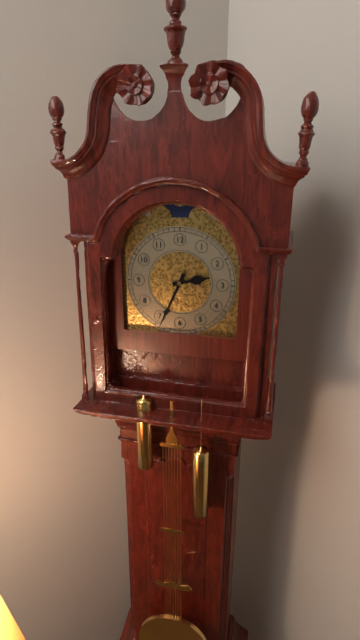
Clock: 2.34
